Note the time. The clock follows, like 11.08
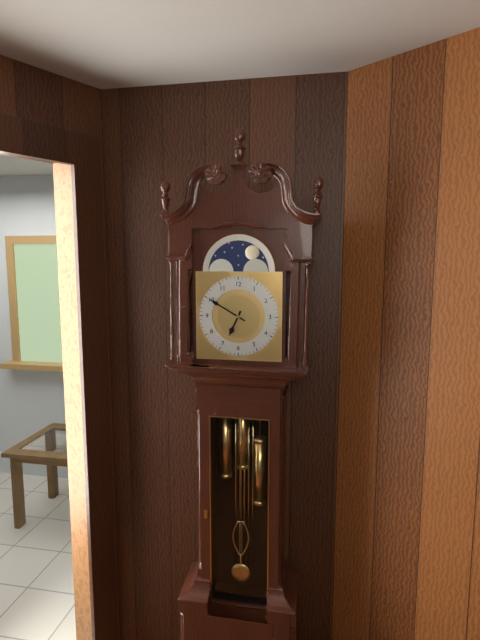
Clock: 6.50
